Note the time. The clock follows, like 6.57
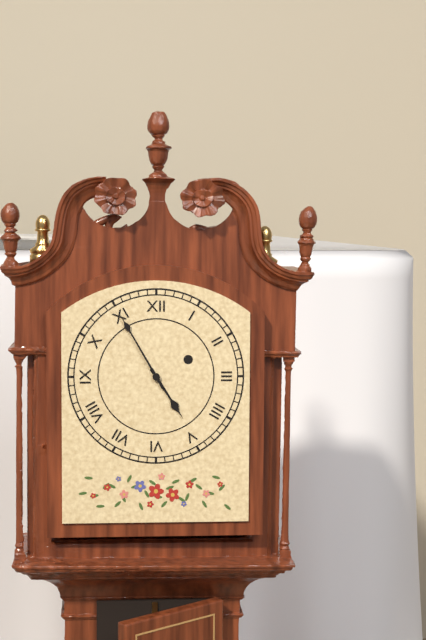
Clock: 4.55
